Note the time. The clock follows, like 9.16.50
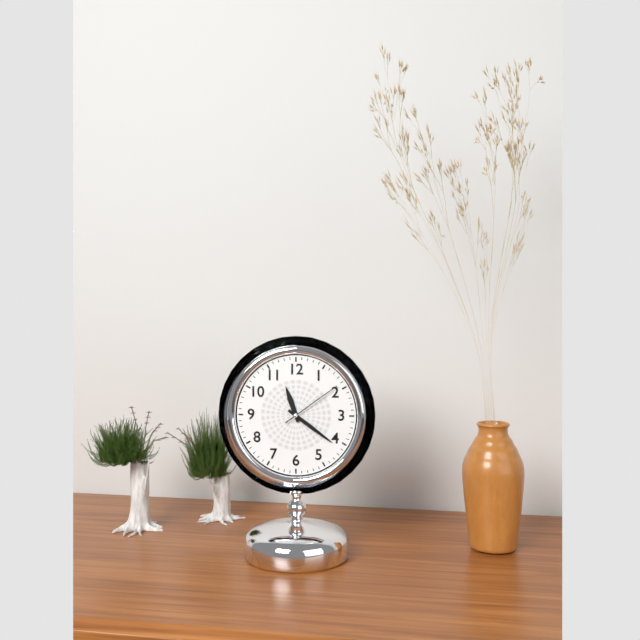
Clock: 11.21.09
